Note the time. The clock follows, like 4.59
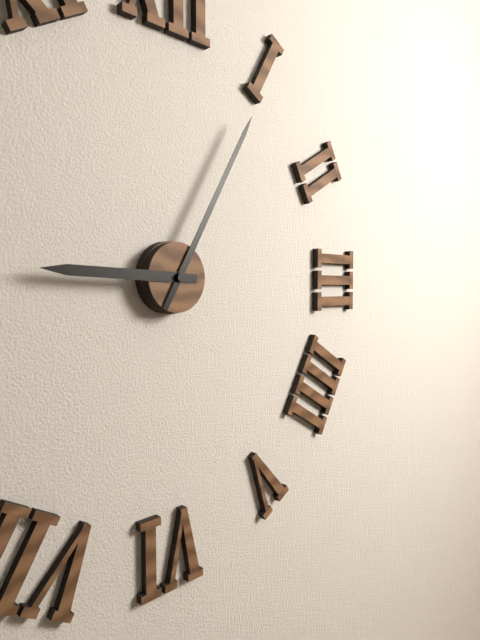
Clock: 9.05
